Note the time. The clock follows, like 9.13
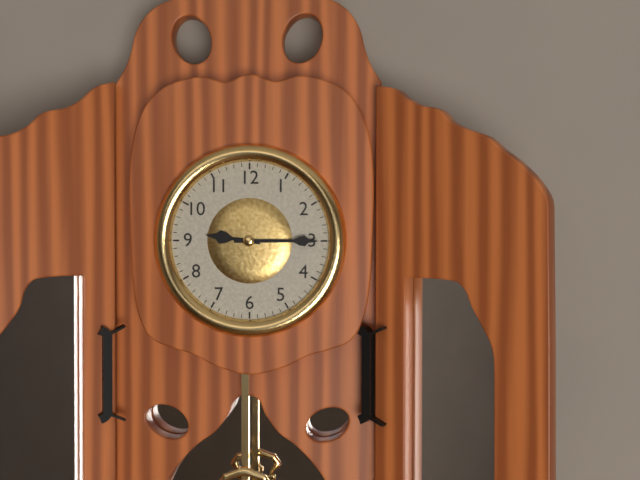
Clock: 9.15
